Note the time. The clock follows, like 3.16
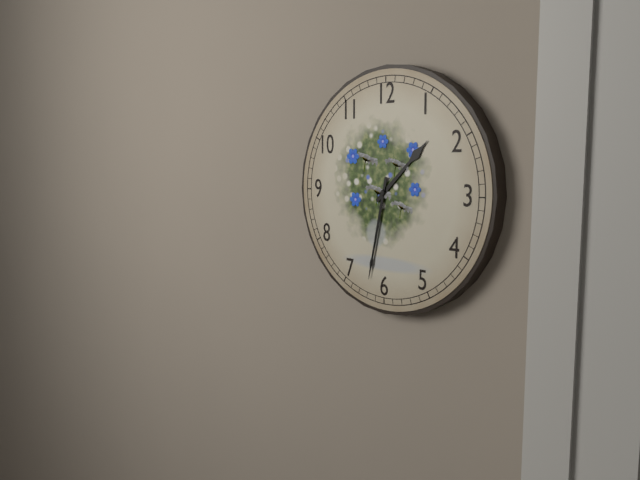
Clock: 1.32
